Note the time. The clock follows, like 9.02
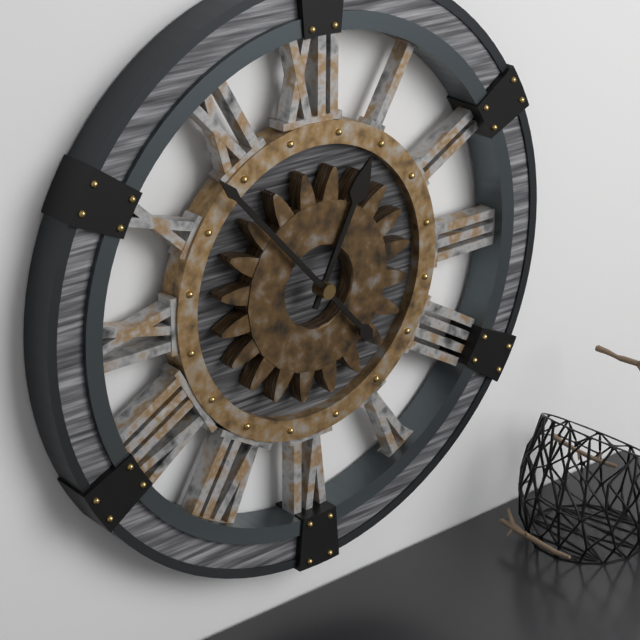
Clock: 12.53
